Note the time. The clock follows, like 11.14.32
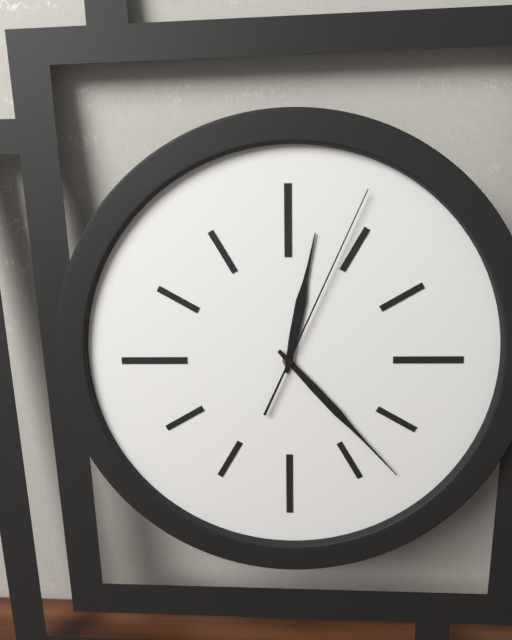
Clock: 12.23.04
